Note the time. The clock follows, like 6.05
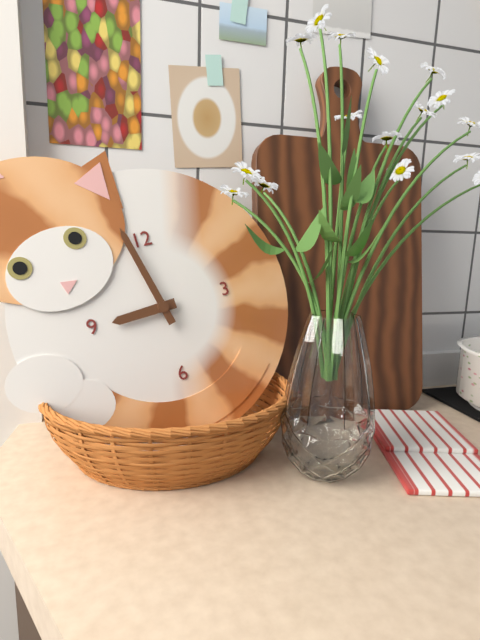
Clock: 8.58
